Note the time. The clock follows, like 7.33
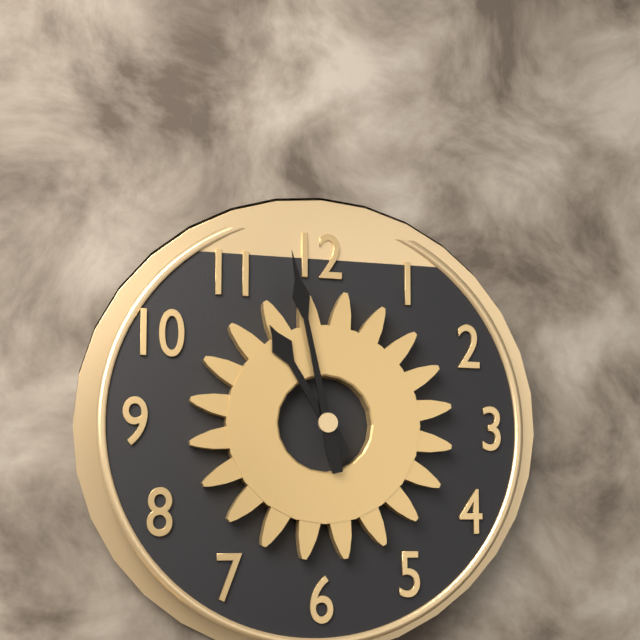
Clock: 10.58
